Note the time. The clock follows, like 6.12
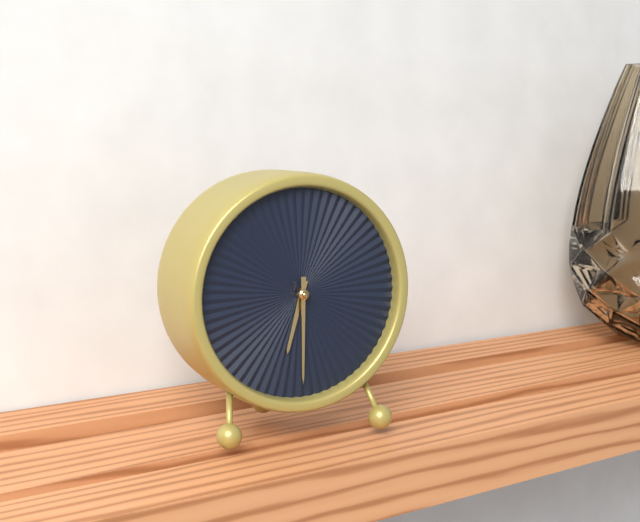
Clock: 6.30
